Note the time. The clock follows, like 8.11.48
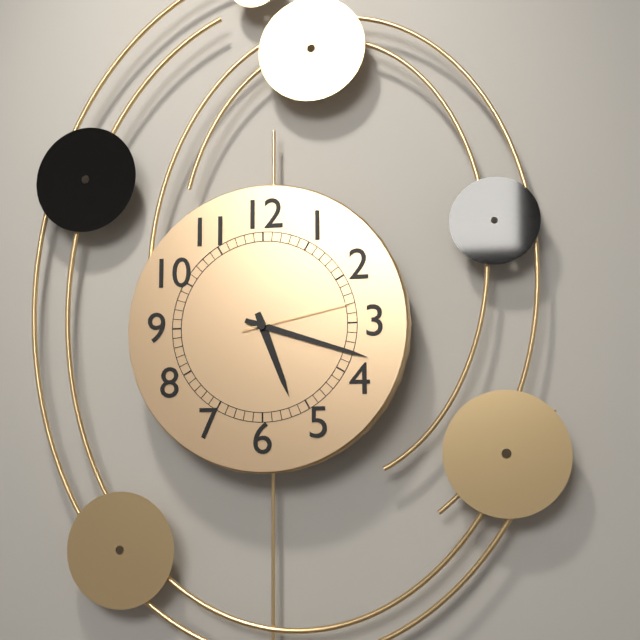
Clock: 5.18.13
